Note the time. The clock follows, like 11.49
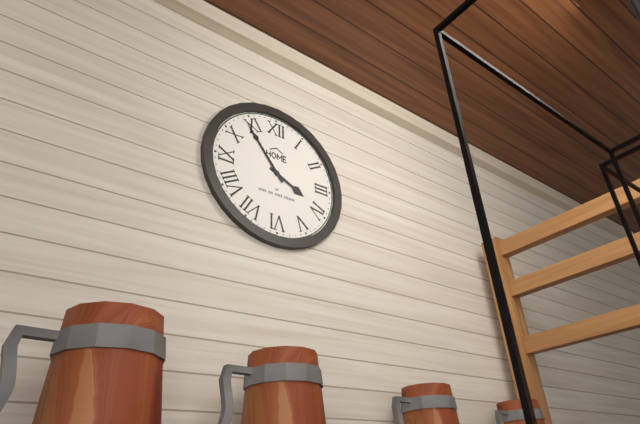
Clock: 3.54
